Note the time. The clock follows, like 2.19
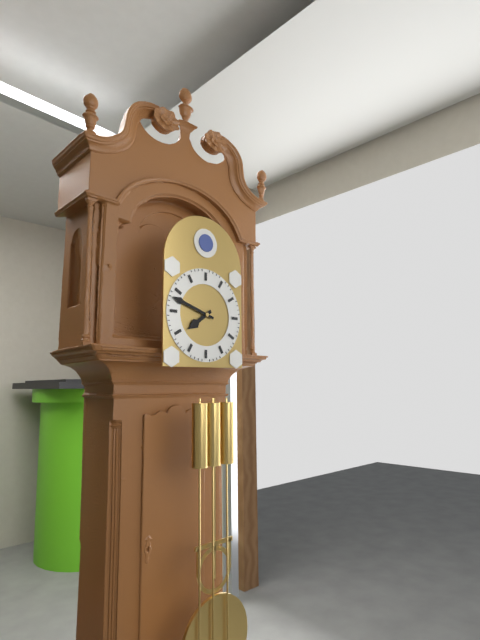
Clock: 7.48
